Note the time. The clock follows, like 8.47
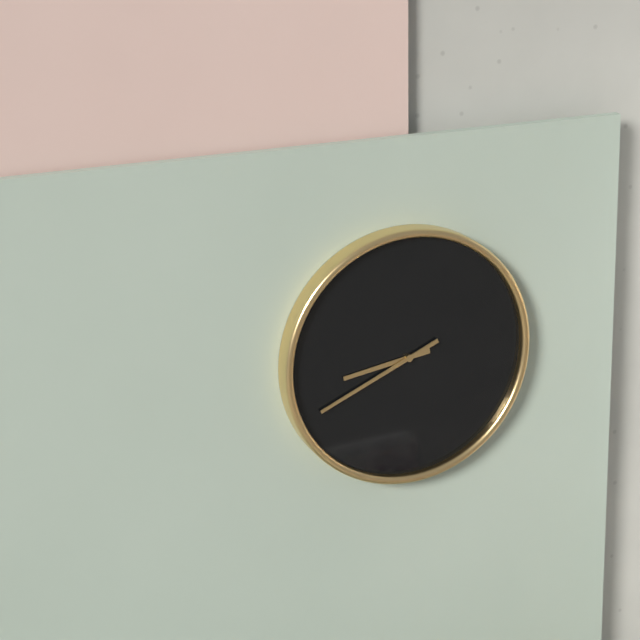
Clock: 8.41
